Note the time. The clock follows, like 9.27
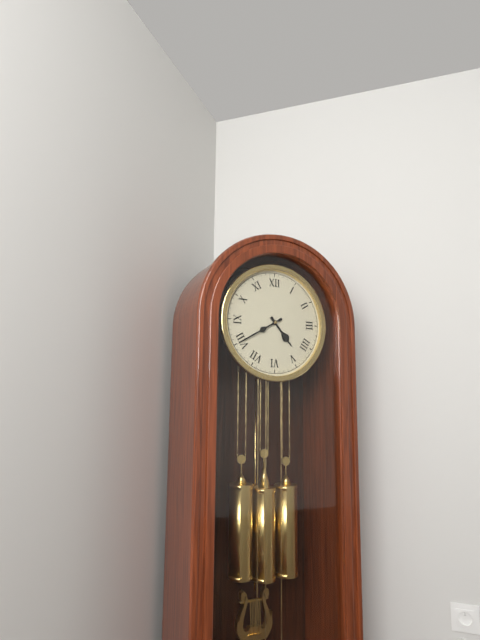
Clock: 4.40
